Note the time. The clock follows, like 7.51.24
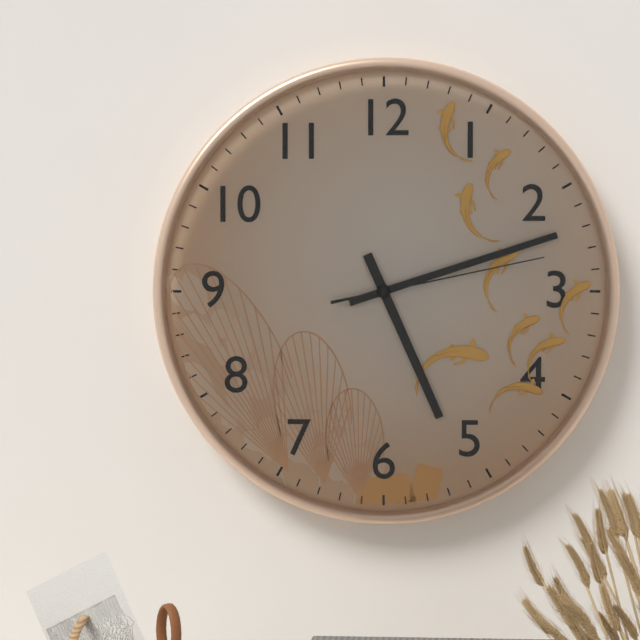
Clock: 5.12.13
